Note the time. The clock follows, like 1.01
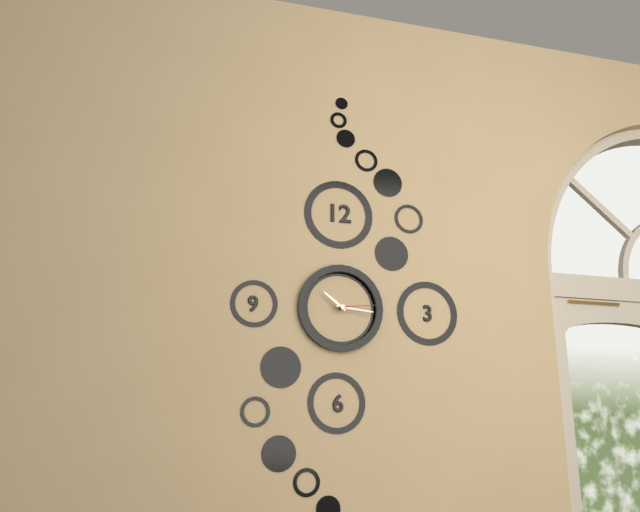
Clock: 10.16
